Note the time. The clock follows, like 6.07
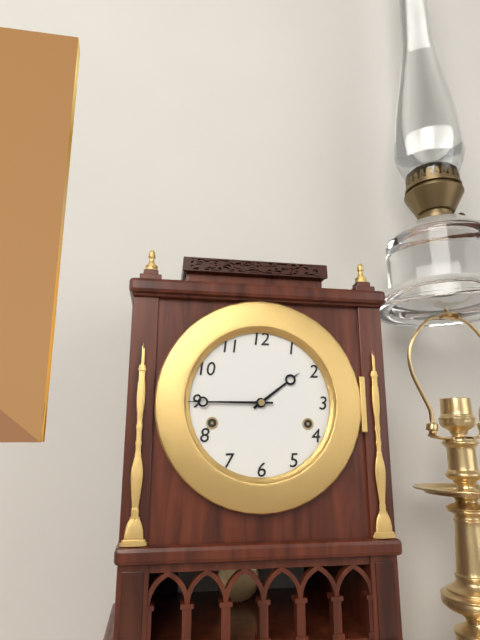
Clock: 1.45
